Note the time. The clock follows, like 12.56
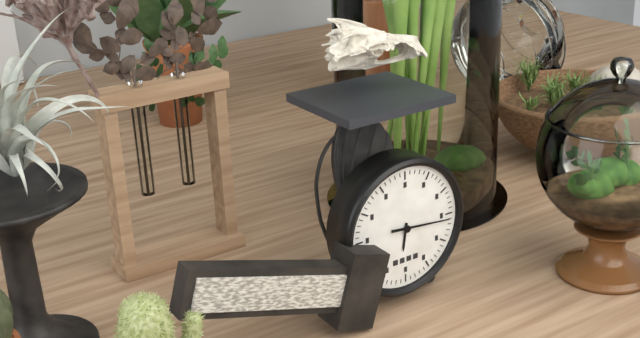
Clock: 6.16
